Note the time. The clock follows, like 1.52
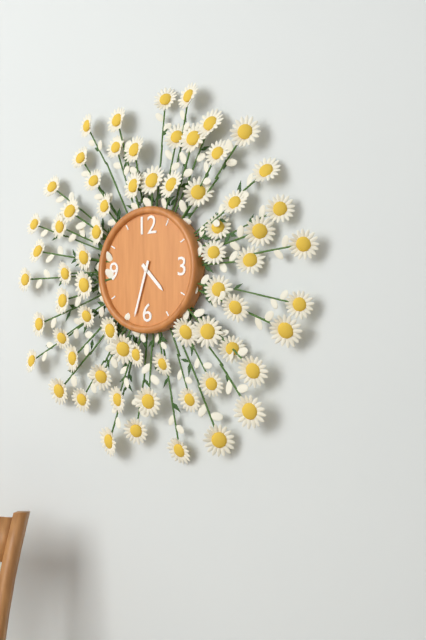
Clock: 4.33
